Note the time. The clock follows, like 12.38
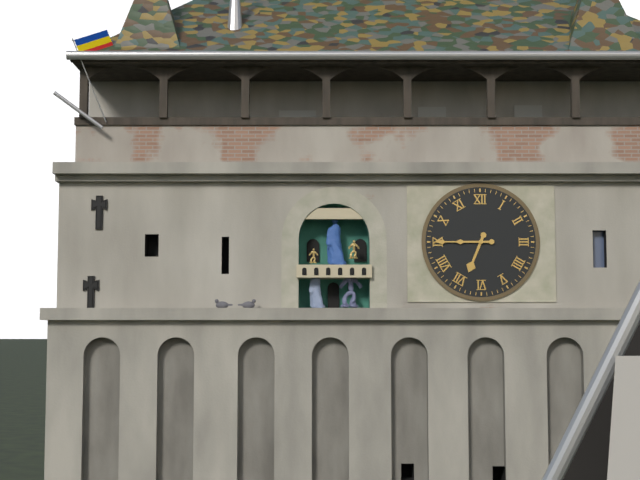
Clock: 6.45
